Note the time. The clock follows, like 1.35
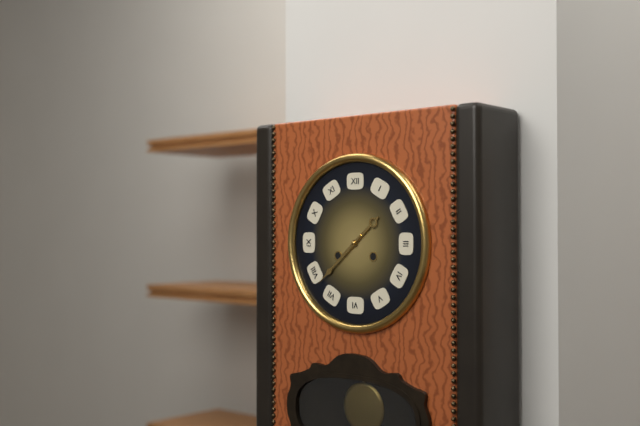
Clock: 1.38
